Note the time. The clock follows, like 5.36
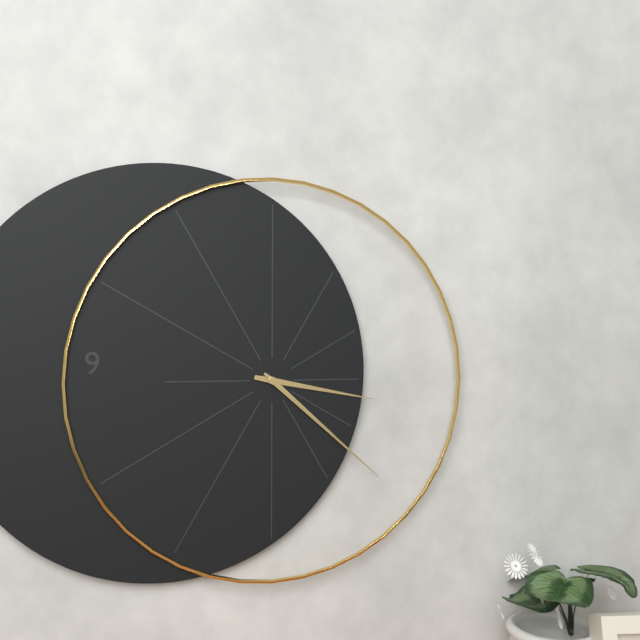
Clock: 3.22
